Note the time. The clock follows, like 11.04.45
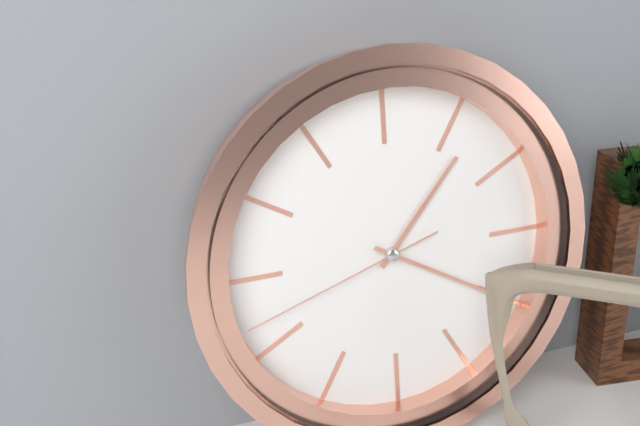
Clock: 1.20.42
